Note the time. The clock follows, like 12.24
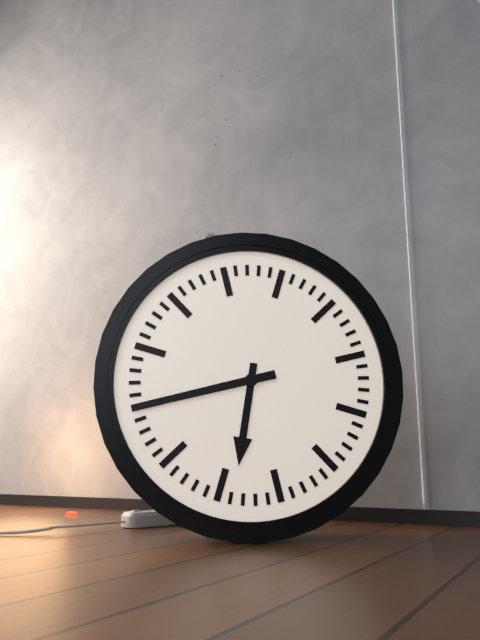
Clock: 6.45
